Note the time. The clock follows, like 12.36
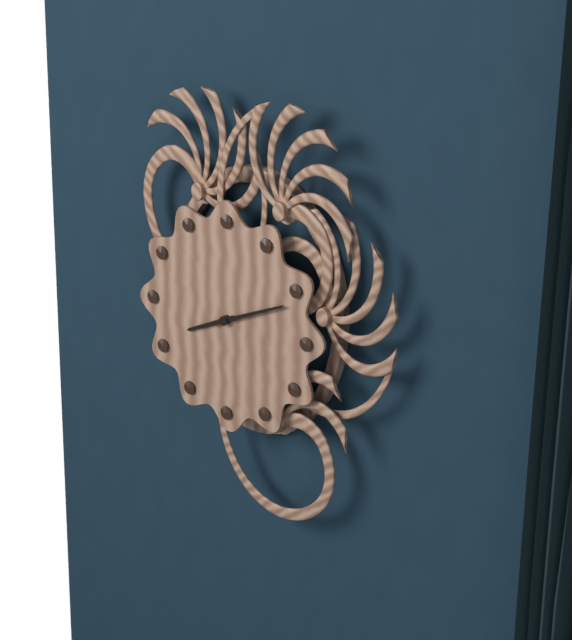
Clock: 8.11
